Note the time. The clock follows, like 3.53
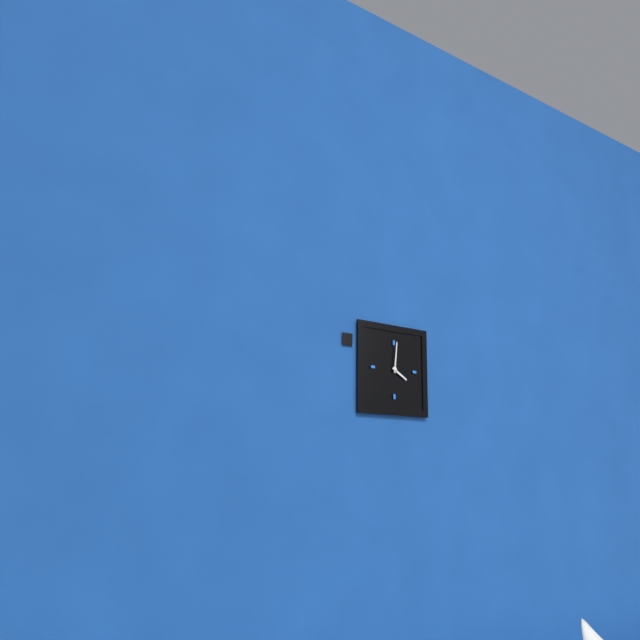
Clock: 4.01
